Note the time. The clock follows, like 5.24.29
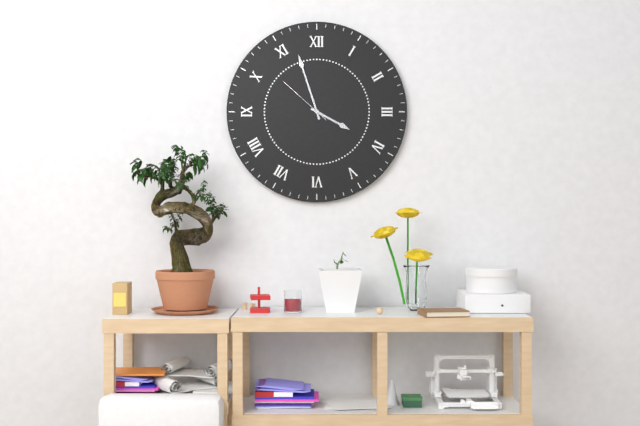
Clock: 3.57.52
